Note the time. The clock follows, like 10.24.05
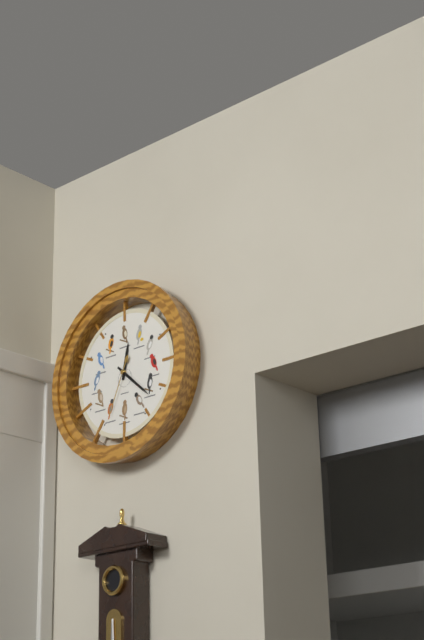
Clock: 12.22.34
